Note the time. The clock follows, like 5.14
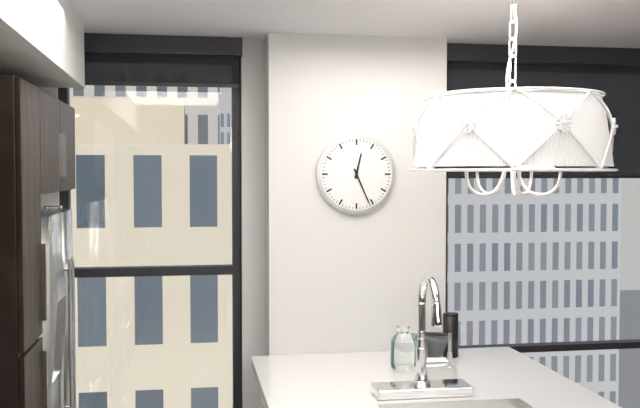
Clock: 12.26
